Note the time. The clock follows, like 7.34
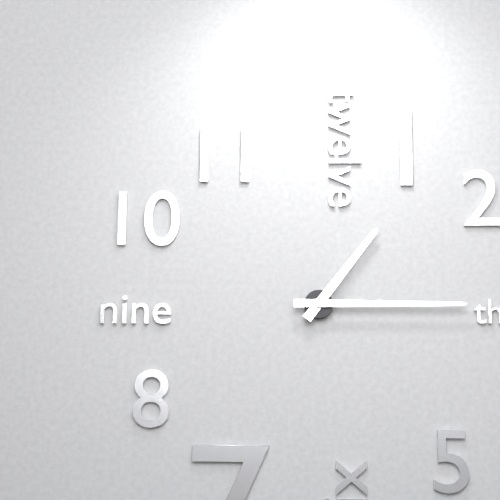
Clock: 1.15
